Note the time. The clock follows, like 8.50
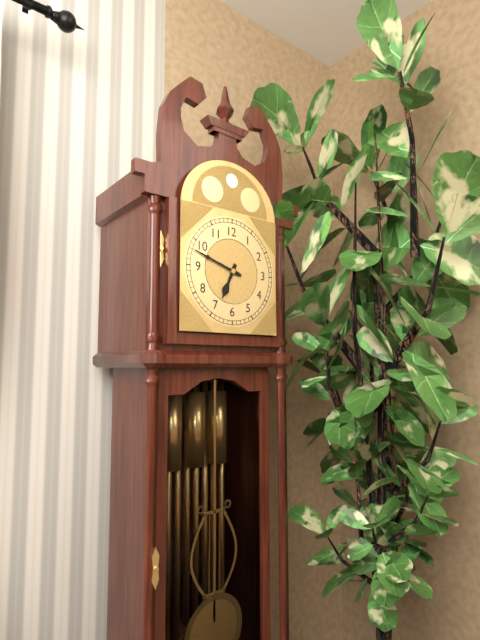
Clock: 6.48
